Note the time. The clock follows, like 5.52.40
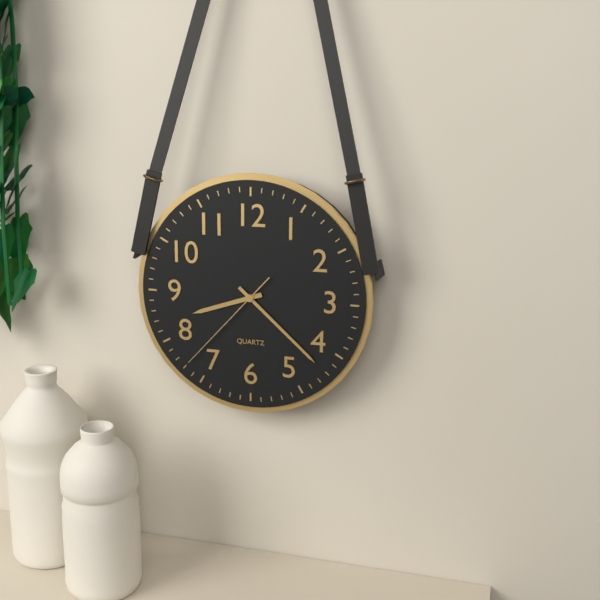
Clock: 8.22.37
